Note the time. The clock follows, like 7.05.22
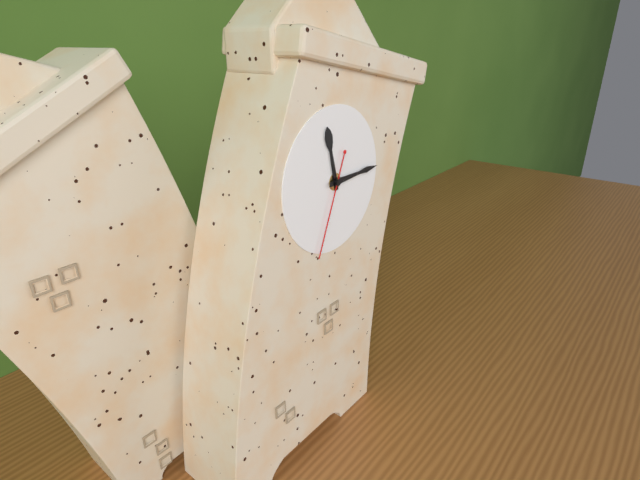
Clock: 11.13.32
